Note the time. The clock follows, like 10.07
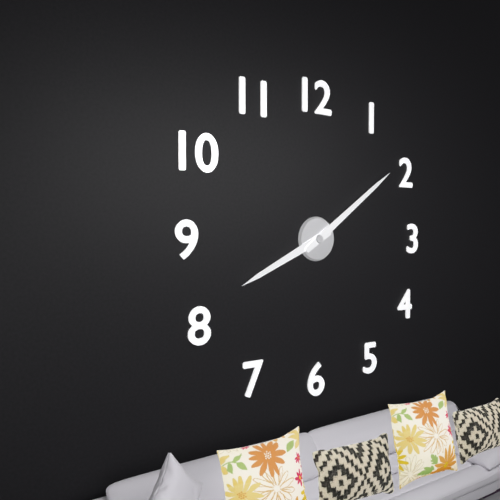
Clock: 8.09
